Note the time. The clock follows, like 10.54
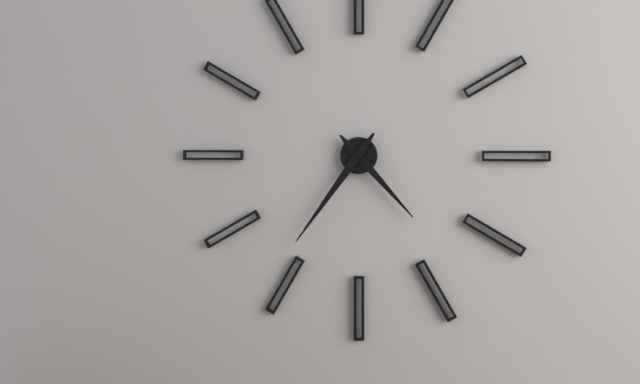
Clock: 4.36
